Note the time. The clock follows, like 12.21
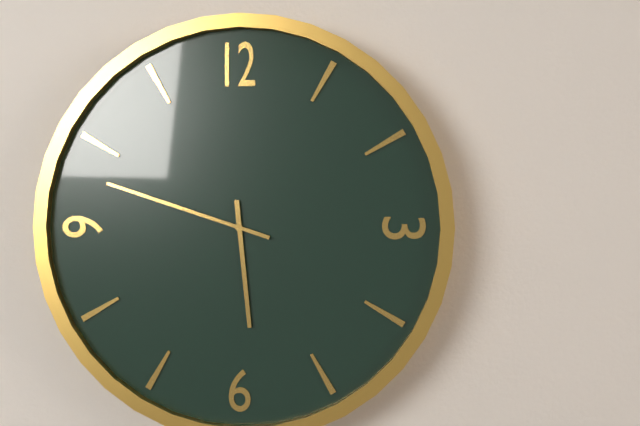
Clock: 5.48
